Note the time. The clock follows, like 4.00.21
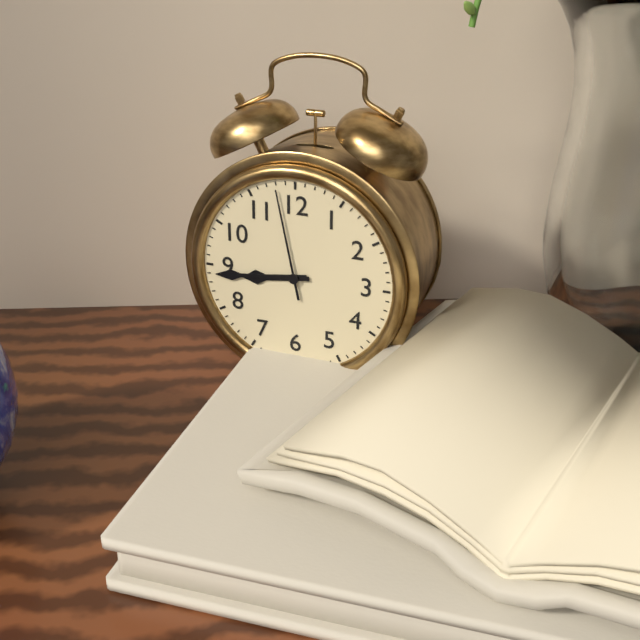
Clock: 8.44.58
